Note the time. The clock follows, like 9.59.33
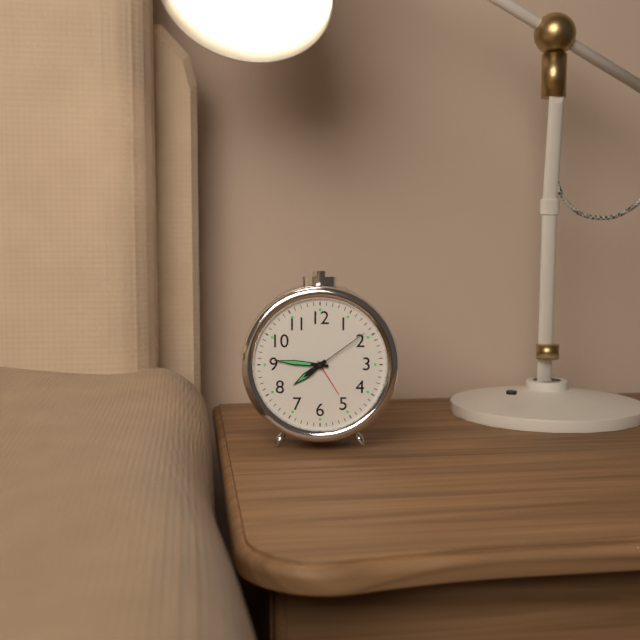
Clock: 7.46.09
